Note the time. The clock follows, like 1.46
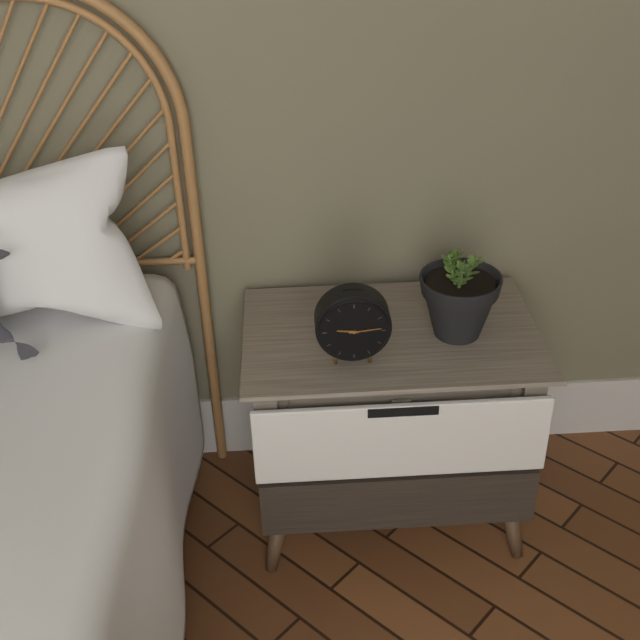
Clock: 9.14
